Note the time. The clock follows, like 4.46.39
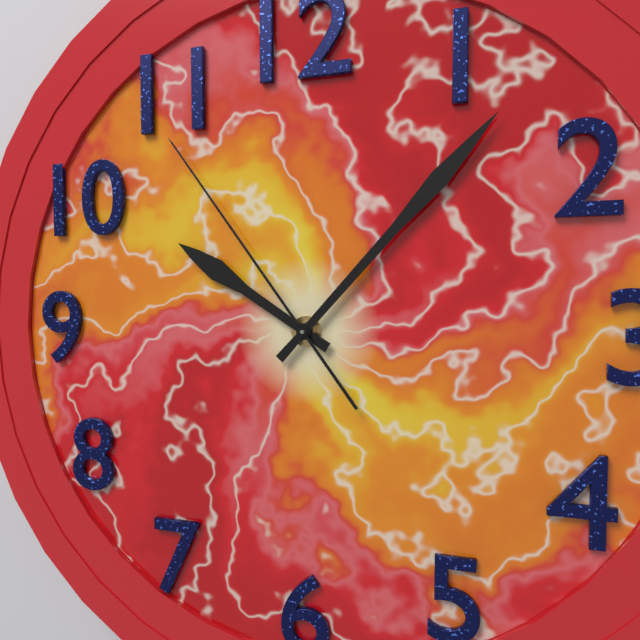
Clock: 10.07.54
